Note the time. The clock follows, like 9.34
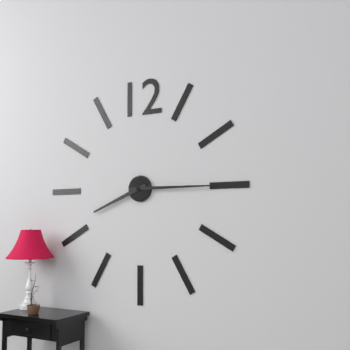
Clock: 8.15
